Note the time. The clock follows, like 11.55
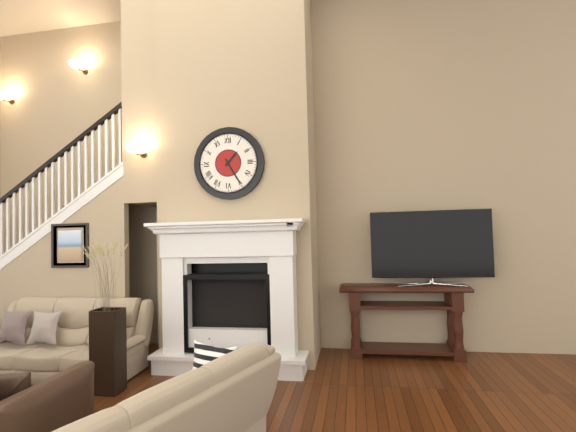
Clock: 1.25
